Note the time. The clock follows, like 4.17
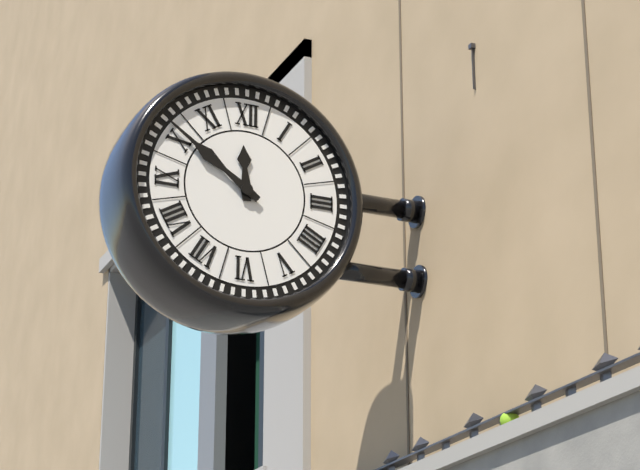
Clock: 11.51
